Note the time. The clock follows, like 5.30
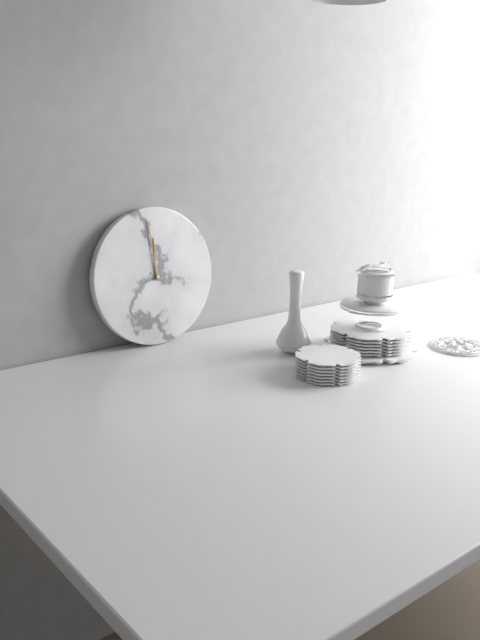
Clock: 11.59
